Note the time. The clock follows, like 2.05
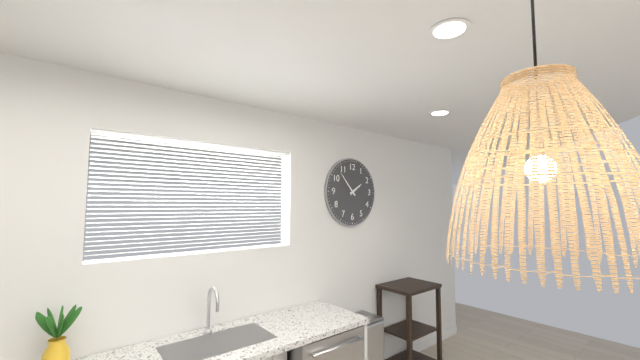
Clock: 1.53
